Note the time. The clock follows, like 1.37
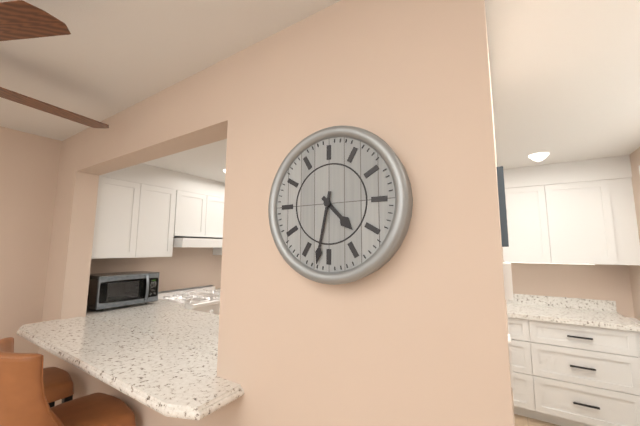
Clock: 4.32
